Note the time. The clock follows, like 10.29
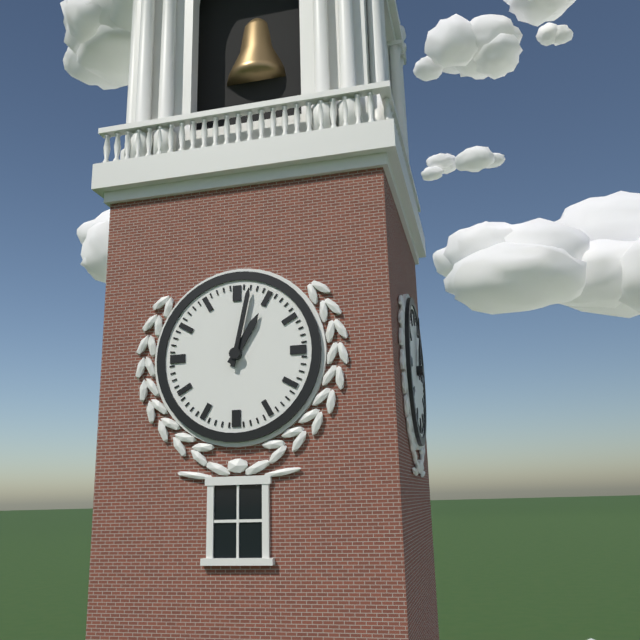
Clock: 1.02
